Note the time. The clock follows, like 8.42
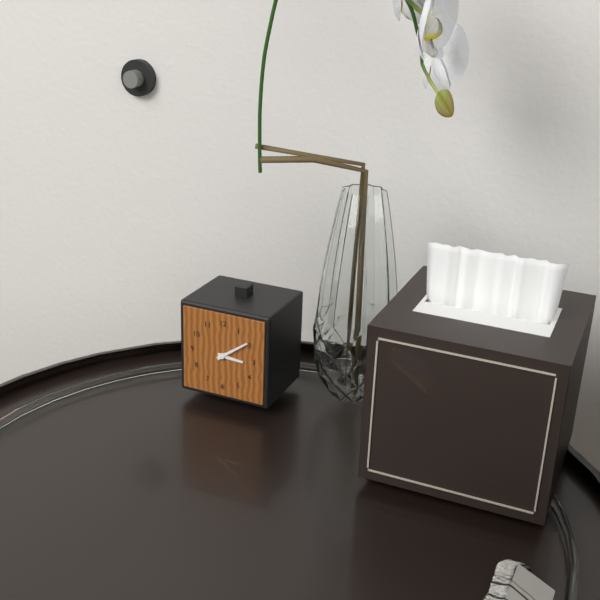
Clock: 3.09
